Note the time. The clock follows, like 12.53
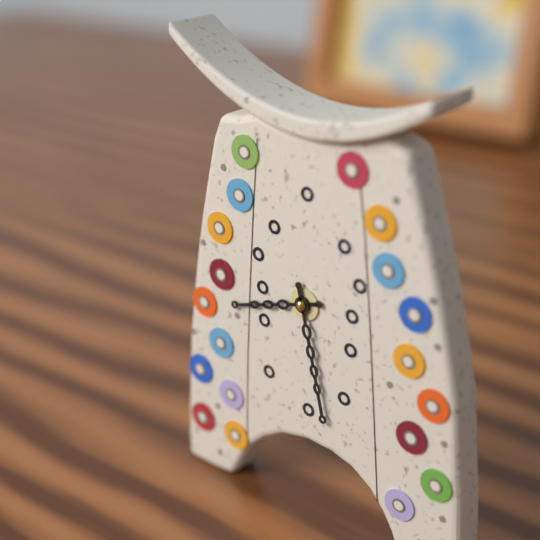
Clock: 8.28
